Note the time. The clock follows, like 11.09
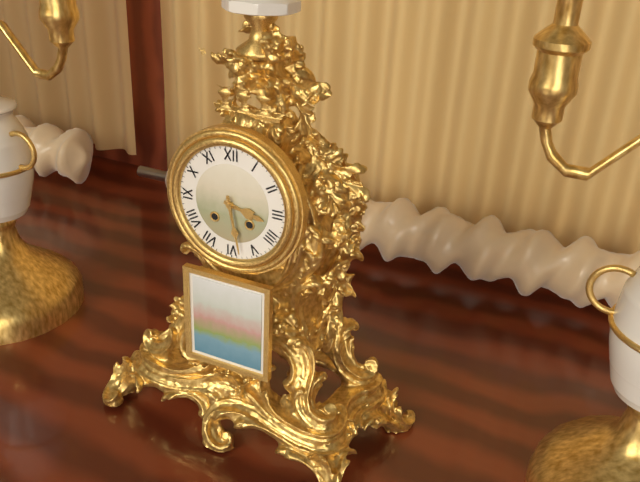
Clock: 3.28
